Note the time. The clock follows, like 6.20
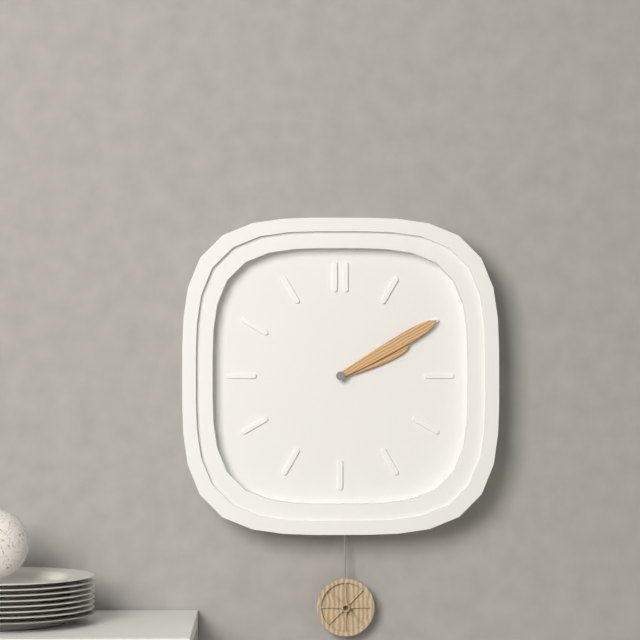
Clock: 2.10
